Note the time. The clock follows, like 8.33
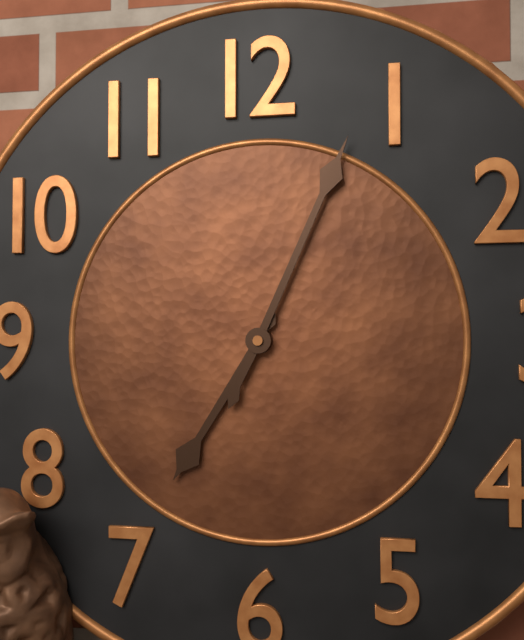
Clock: 7.04
